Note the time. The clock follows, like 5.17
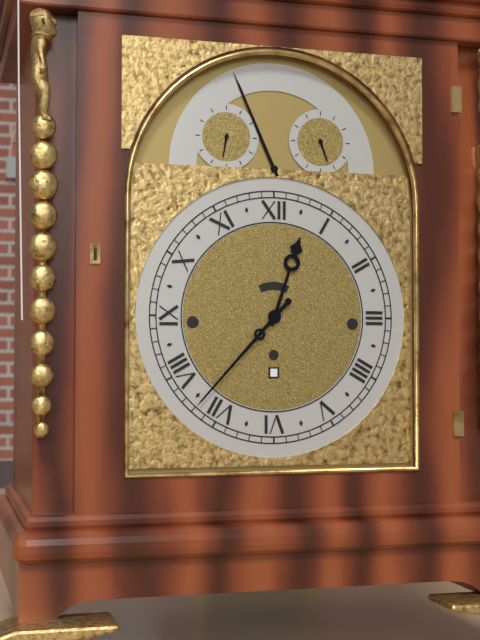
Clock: 12.37
